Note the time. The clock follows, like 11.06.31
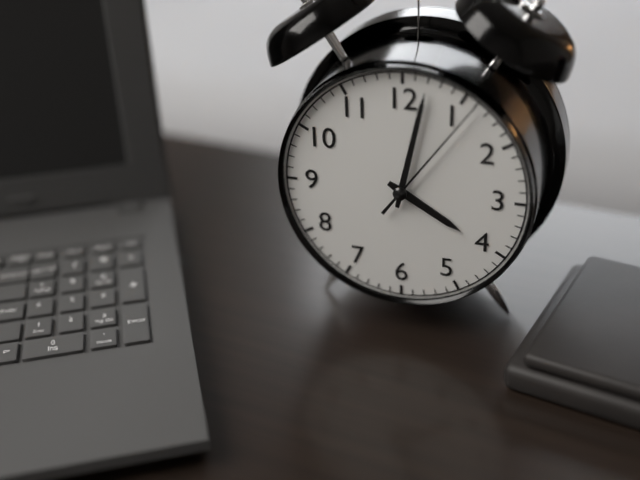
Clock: 4.02.06
